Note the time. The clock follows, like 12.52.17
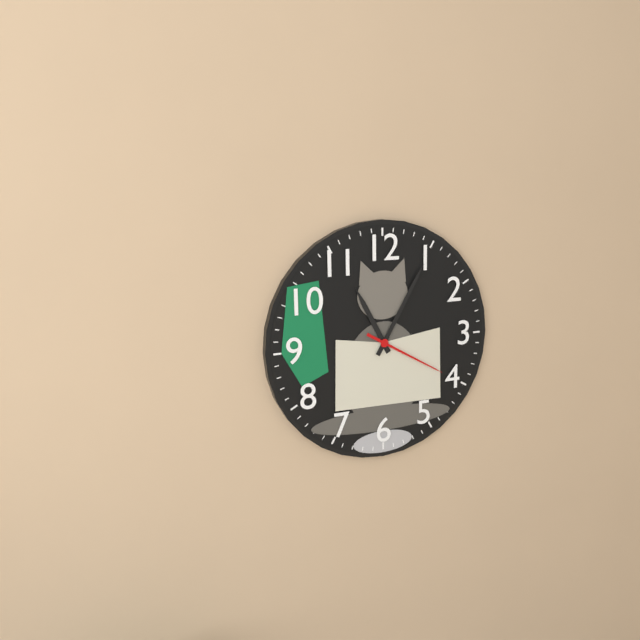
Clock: 11.05.20
